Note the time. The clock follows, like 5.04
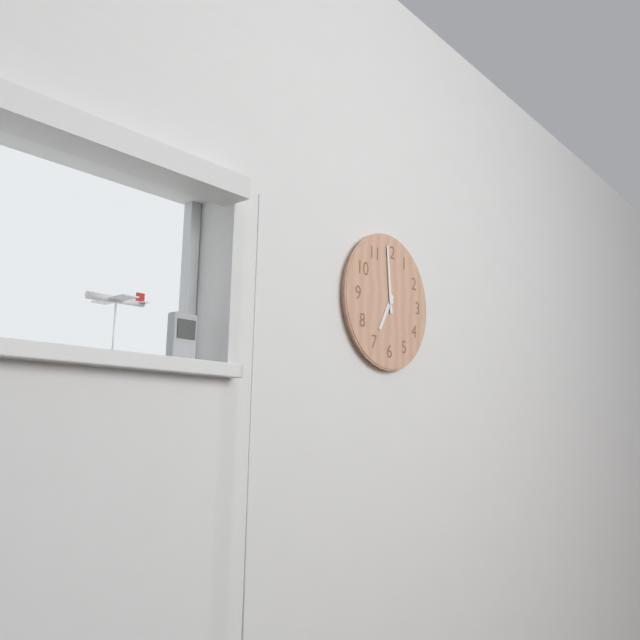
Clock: 6.59
